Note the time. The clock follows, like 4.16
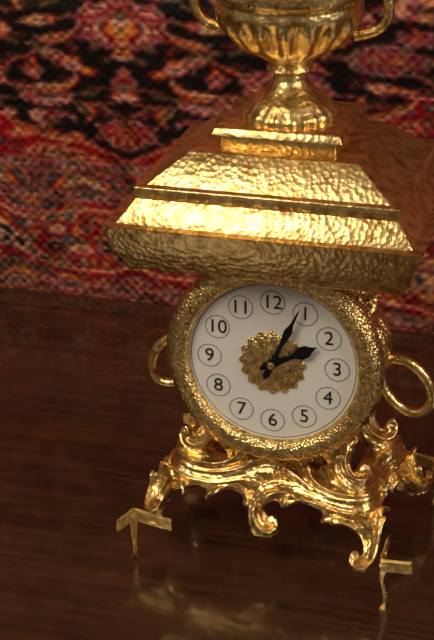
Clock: 2.04
